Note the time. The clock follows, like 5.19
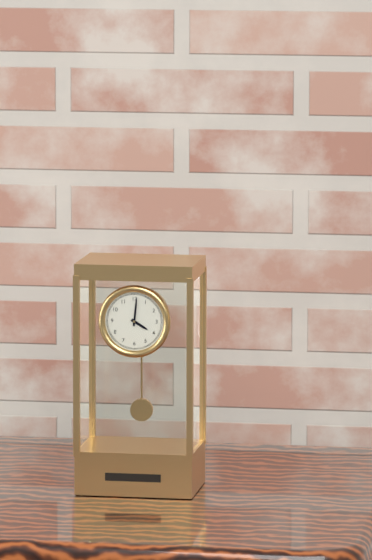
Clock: 4.01
